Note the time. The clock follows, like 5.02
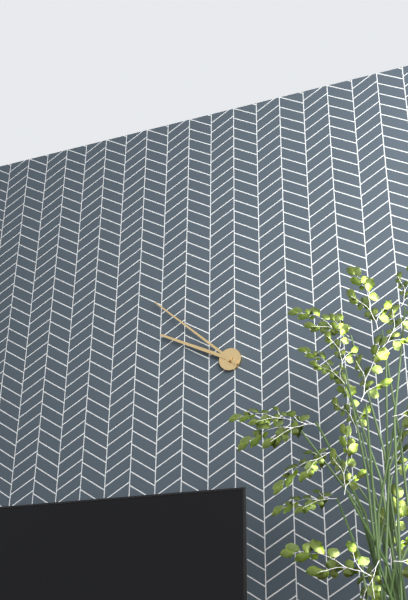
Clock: 9.52
